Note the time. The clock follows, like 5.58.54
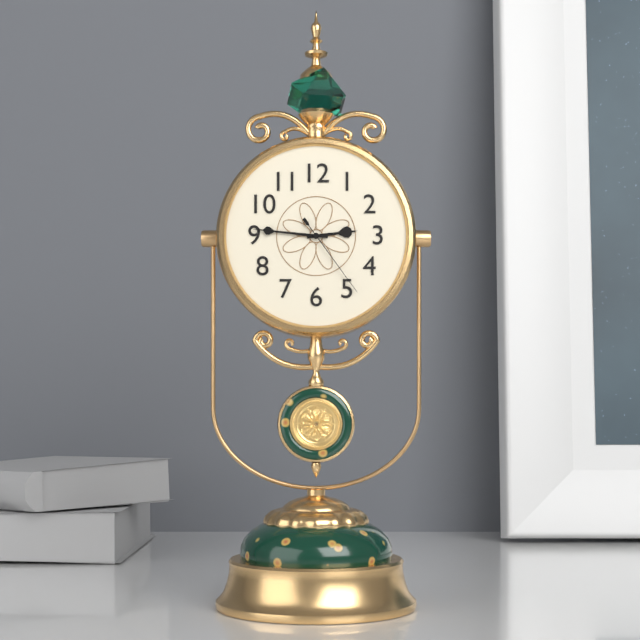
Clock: 2.46.24
